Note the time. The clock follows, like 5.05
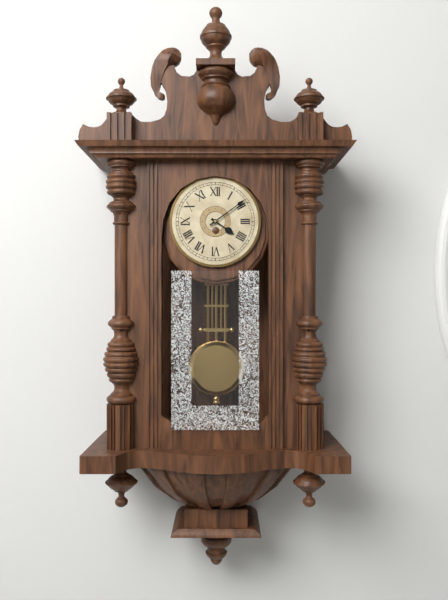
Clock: 4.09
